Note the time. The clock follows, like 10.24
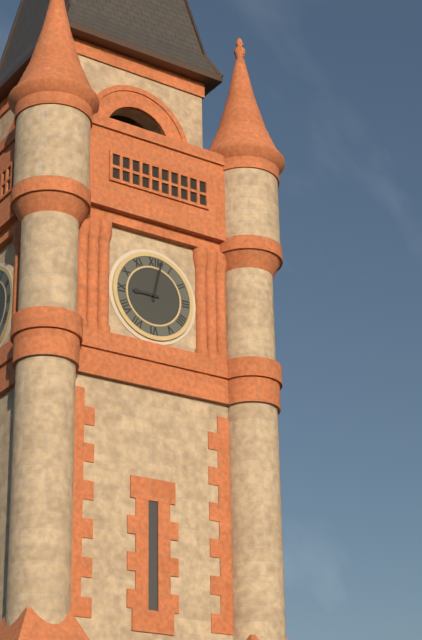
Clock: 9.02
